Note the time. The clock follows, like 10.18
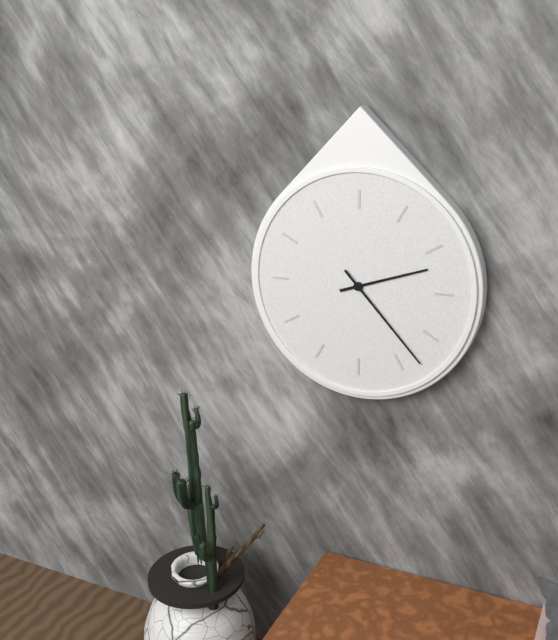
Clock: 2.23
